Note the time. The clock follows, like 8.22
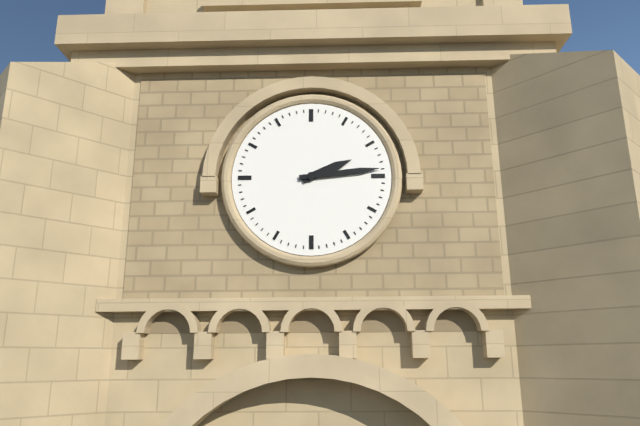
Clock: 2.14
